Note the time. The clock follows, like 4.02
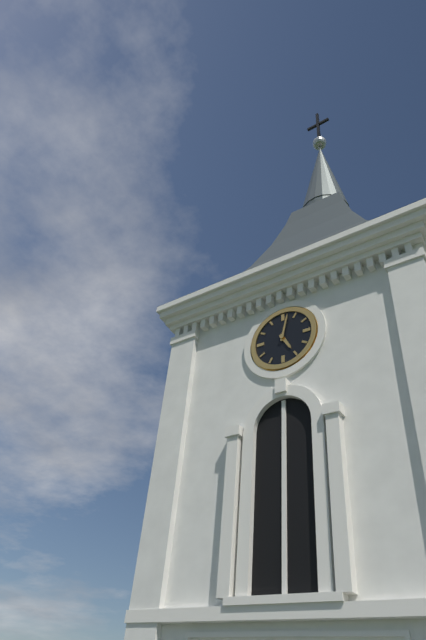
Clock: 5.02
